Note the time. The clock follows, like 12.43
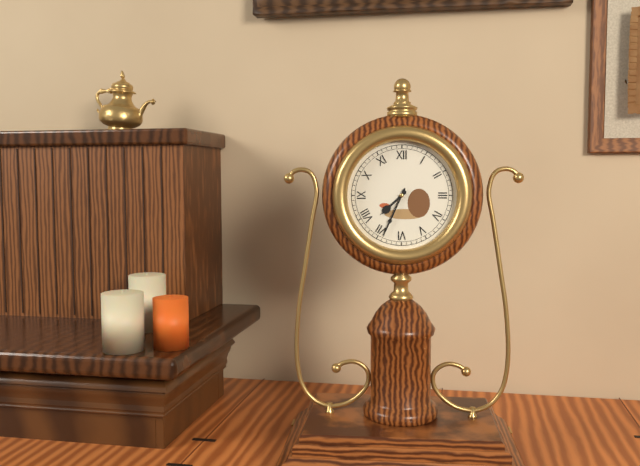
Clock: 7.34
